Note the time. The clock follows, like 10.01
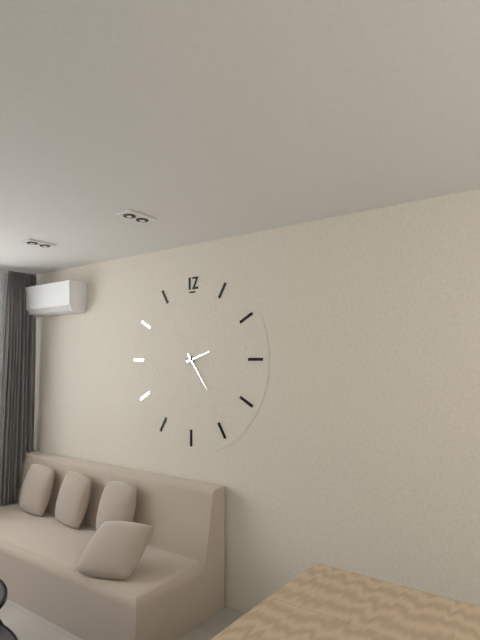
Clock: 2.24
